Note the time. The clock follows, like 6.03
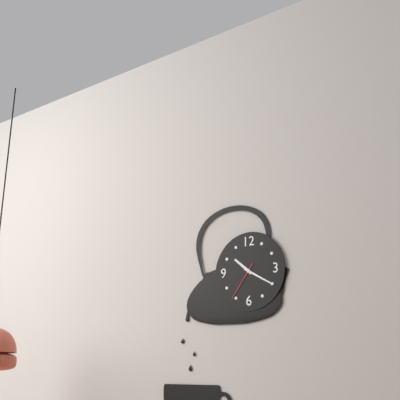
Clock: 10.20
